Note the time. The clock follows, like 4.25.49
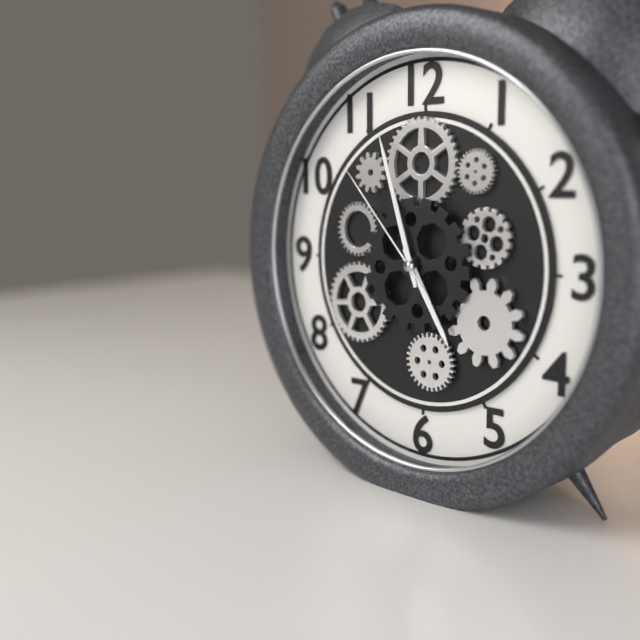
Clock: 4.57.53
